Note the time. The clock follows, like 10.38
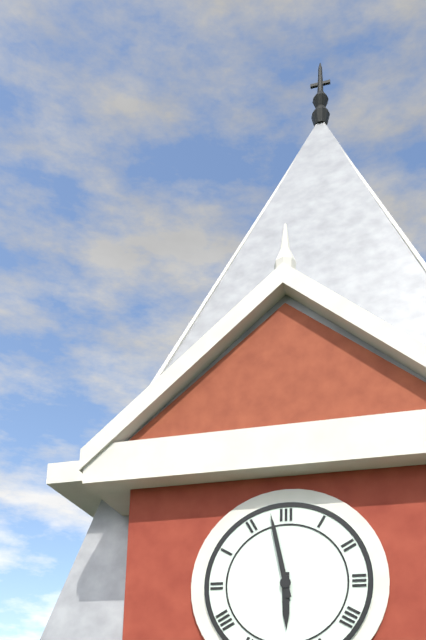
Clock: 5.58
